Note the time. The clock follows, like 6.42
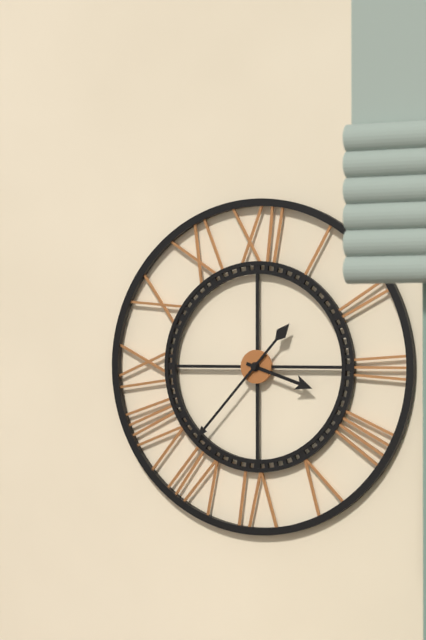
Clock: 3.37
